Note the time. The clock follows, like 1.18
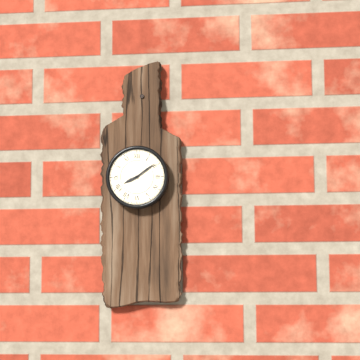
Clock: 8.09
